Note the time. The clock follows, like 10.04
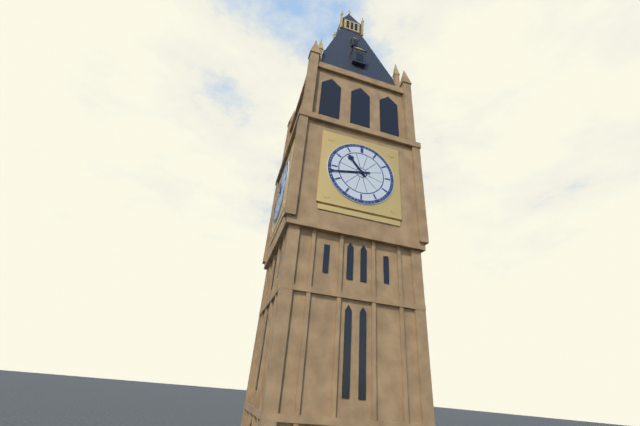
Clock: 10.43
